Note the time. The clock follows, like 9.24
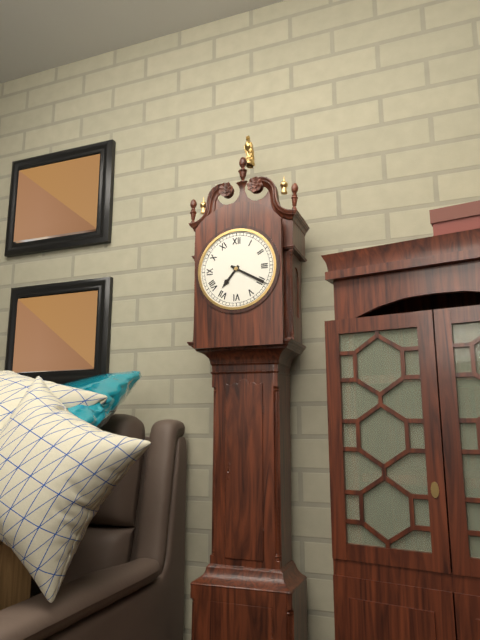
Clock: 7.20
